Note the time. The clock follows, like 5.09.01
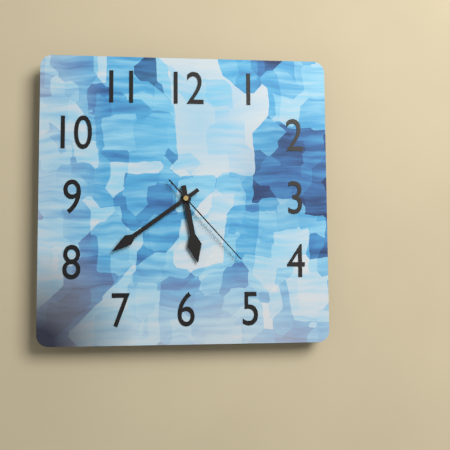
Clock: 5.39.23
